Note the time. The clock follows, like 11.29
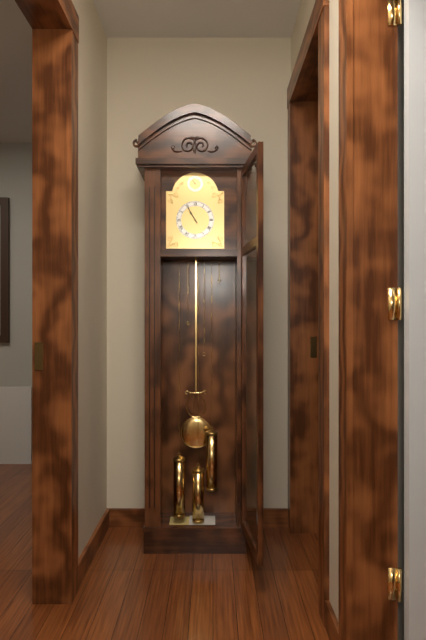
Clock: 10.55
